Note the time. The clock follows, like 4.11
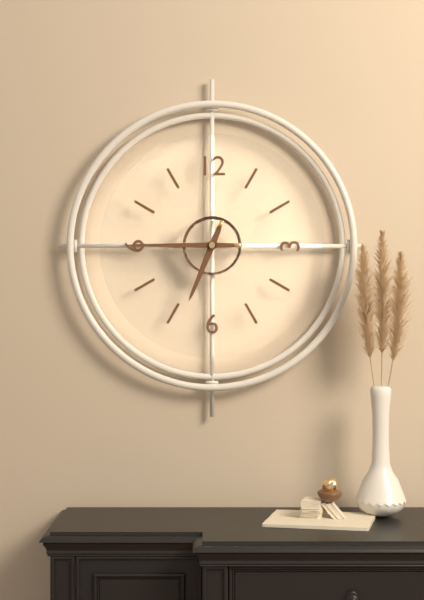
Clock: 6.45
